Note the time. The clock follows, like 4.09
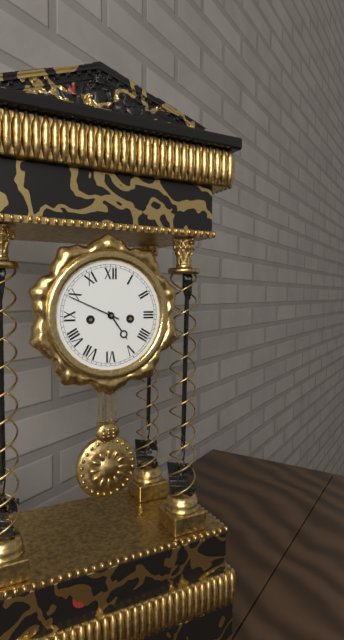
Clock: 4.49
